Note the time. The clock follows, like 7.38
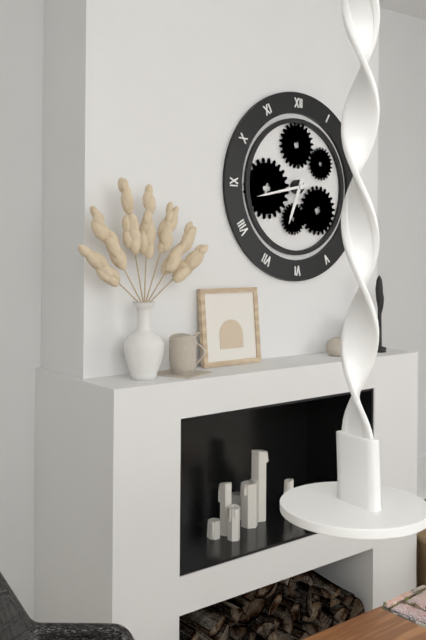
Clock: 6.43
